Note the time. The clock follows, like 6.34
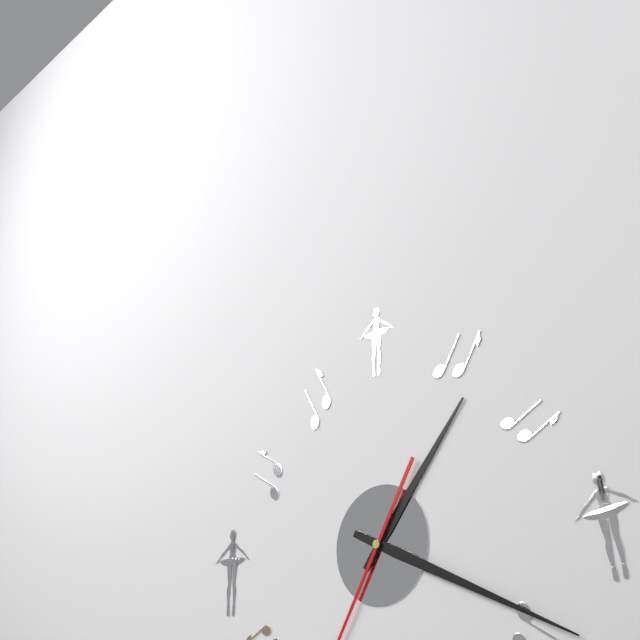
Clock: 1.19
